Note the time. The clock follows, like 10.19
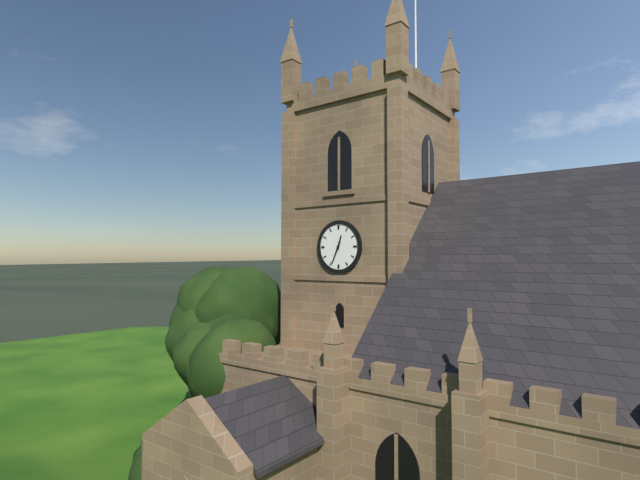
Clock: 12.34
